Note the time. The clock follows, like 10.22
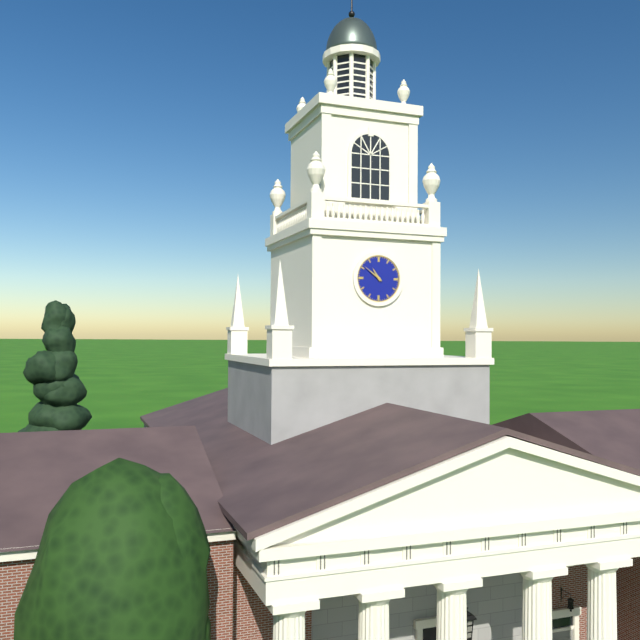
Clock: 10.51
